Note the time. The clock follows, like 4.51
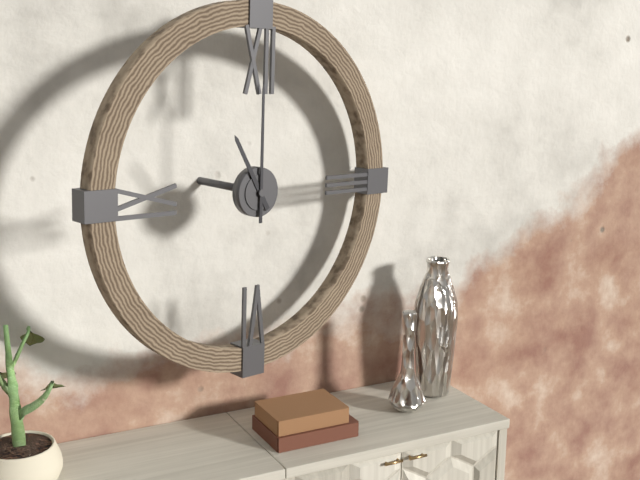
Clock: 11.00
